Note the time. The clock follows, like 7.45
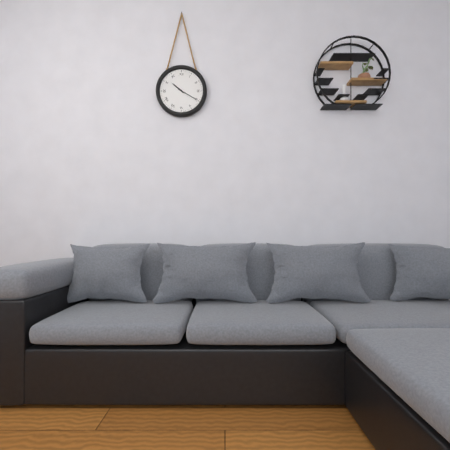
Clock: 10.20
